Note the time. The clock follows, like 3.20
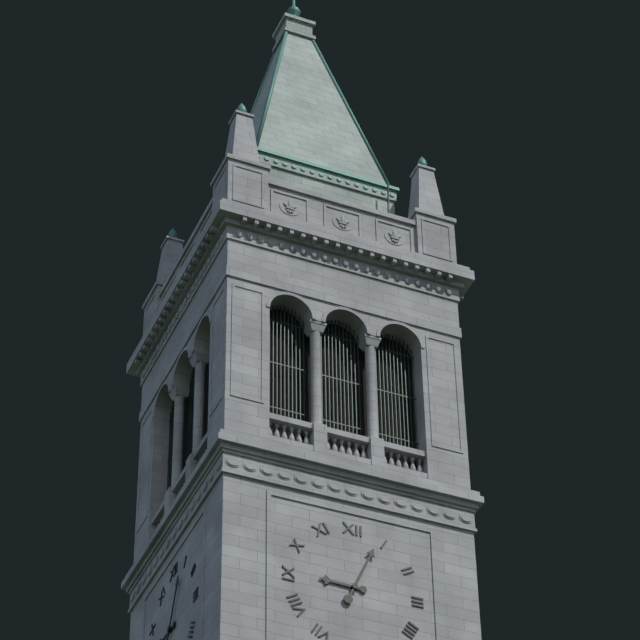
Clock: 9.04
